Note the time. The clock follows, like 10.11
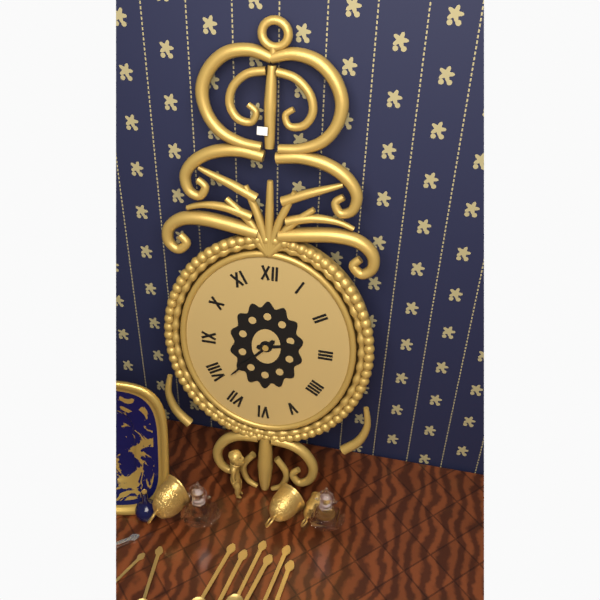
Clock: 2.37
